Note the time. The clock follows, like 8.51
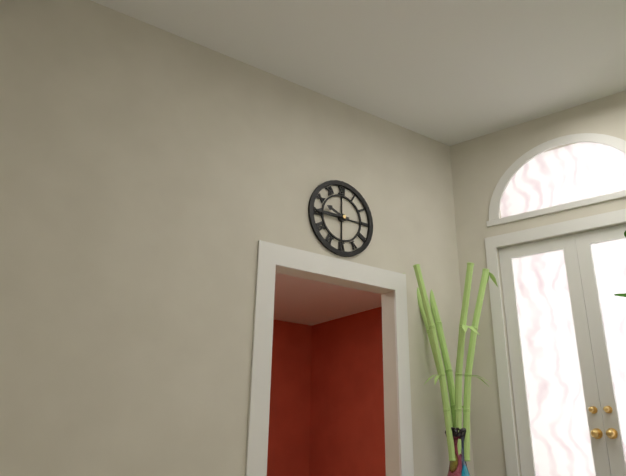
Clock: 9.45
